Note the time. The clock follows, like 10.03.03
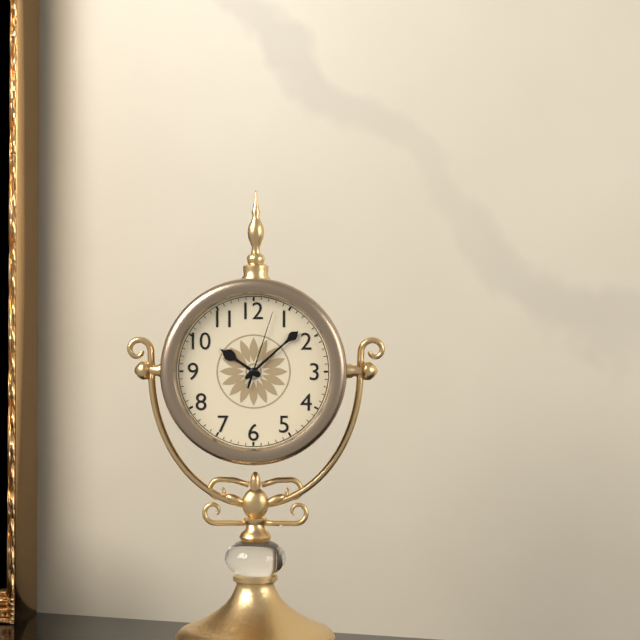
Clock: 10.08.03
